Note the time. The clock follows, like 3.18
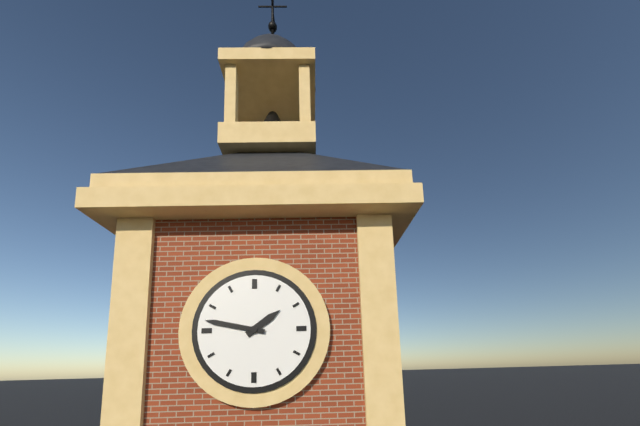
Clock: 1.47
